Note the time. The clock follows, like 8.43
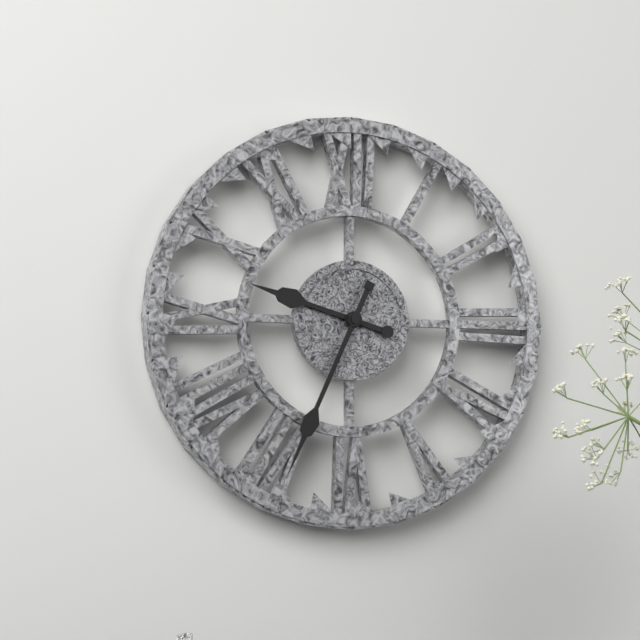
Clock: 9.34
